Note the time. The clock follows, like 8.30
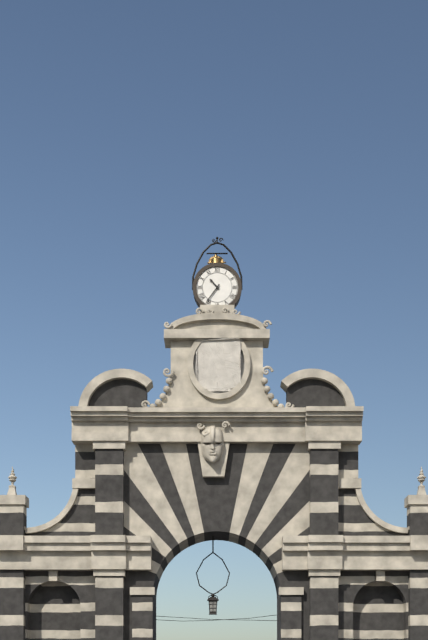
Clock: 10.36
